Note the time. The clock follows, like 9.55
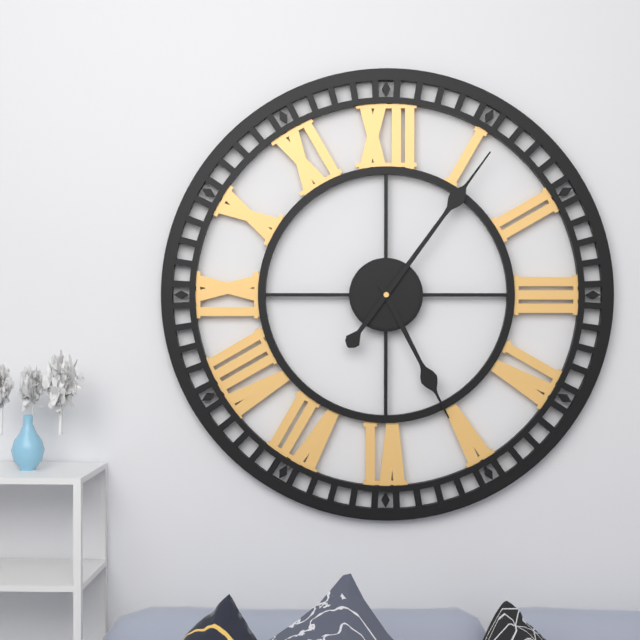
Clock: 5.06
